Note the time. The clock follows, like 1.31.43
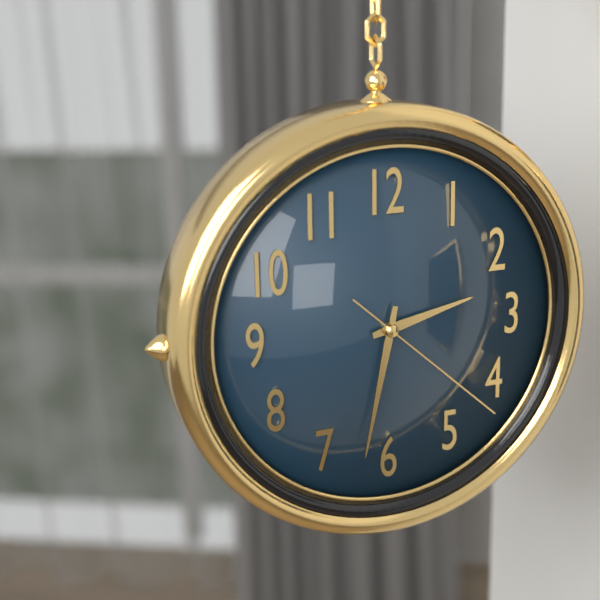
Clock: 2.32.22
